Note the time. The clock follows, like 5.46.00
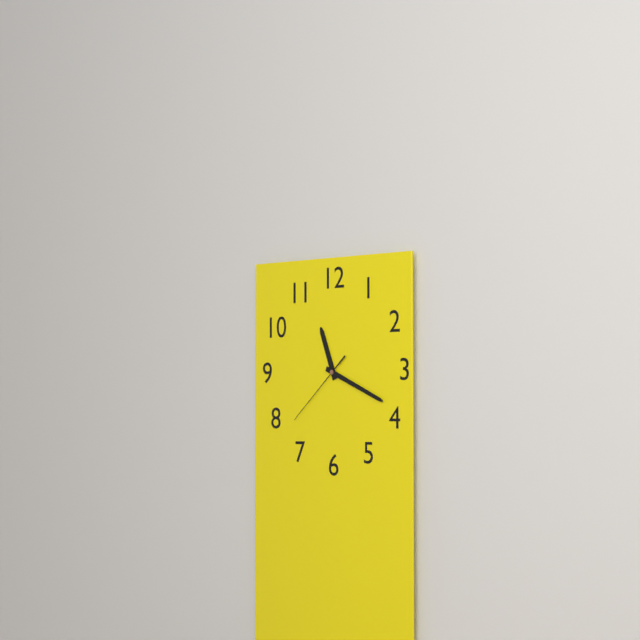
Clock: 11.19.38
